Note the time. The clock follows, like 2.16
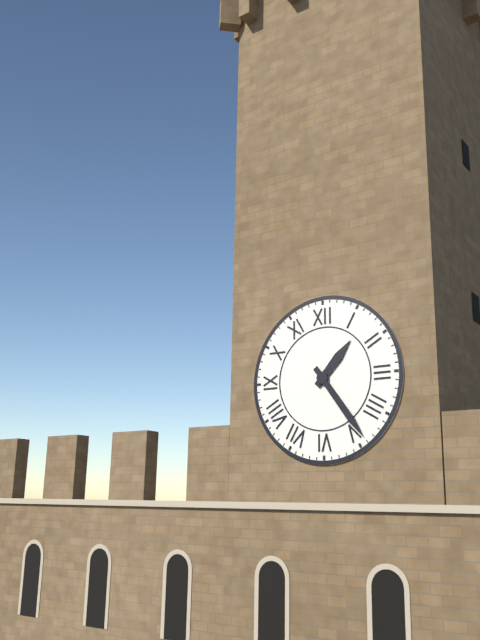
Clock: 1.24
